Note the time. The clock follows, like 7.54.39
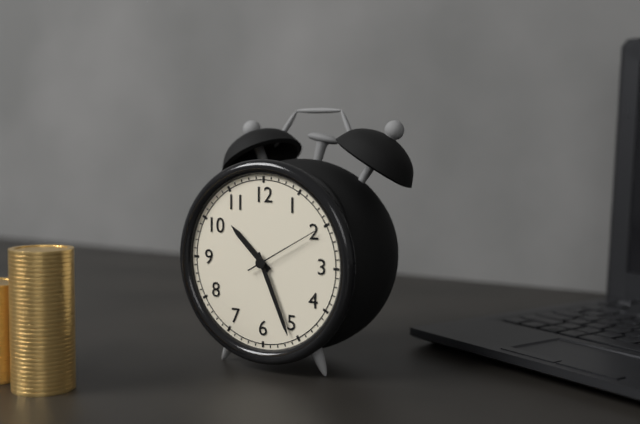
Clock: 10.26.10
